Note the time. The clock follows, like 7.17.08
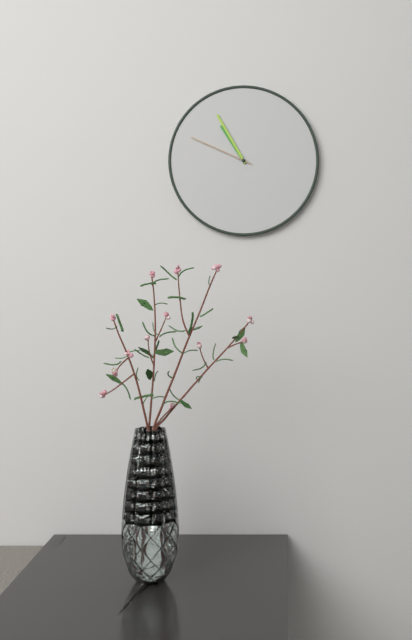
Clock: 10.55.49
